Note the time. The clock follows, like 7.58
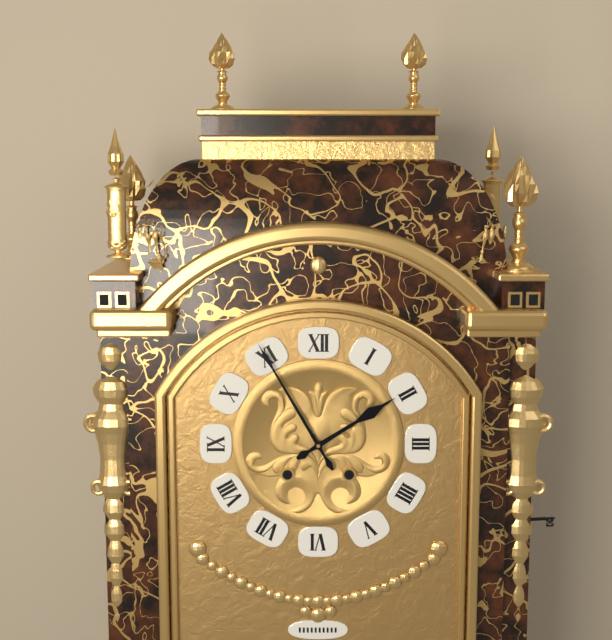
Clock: 1.55
